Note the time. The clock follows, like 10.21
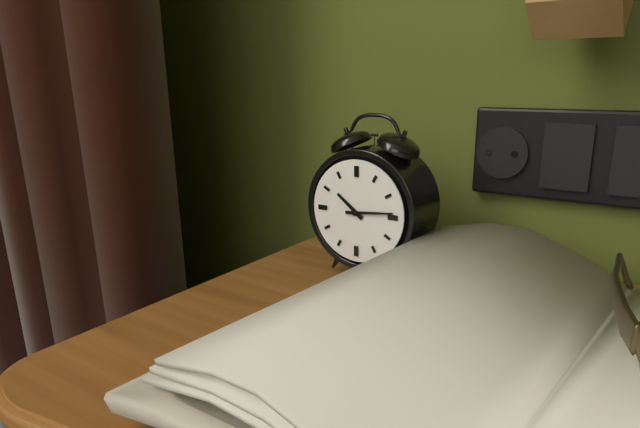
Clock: 10.14
